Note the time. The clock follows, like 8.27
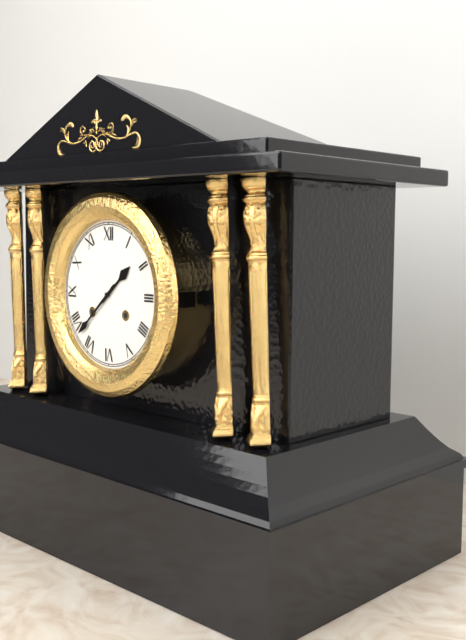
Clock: 1.38
